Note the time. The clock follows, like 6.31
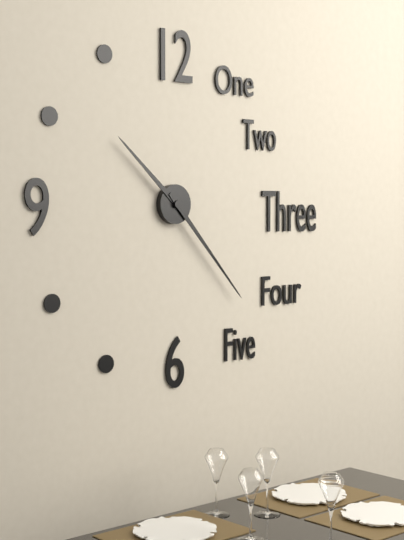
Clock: 10.23
